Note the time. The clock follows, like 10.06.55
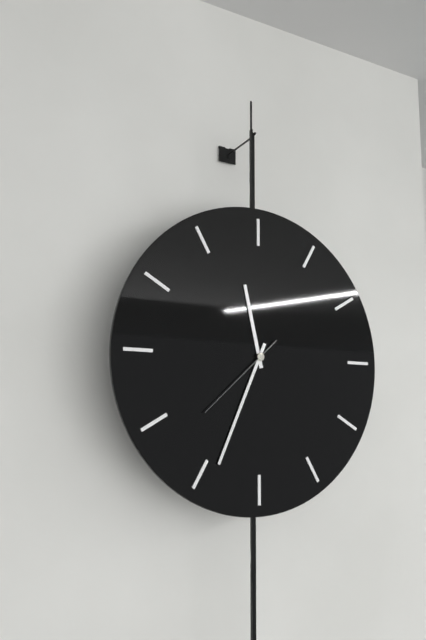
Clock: 11.34.38
